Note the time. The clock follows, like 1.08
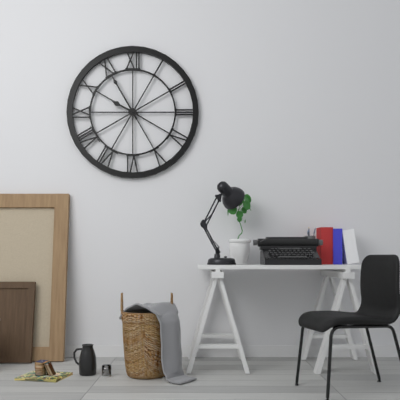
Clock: 9.55
